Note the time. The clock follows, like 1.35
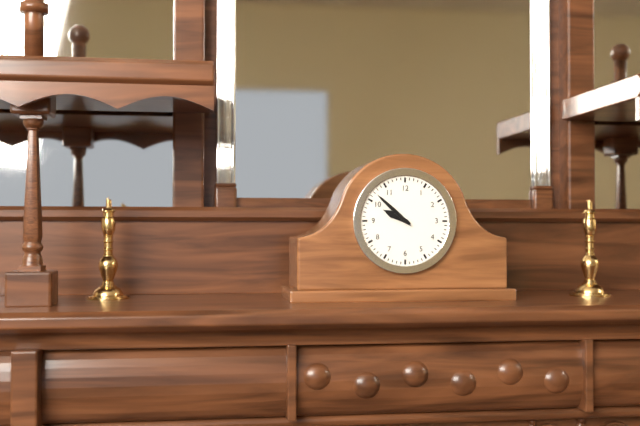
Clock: 9.52
